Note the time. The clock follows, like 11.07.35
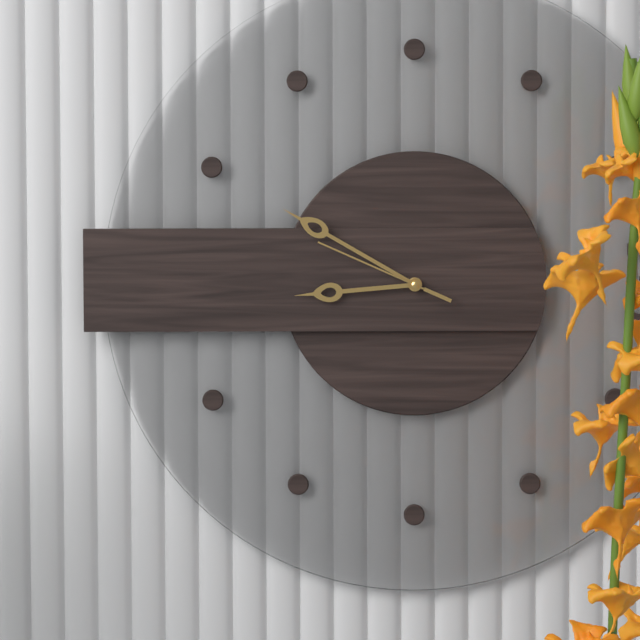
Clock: 8.50.49
